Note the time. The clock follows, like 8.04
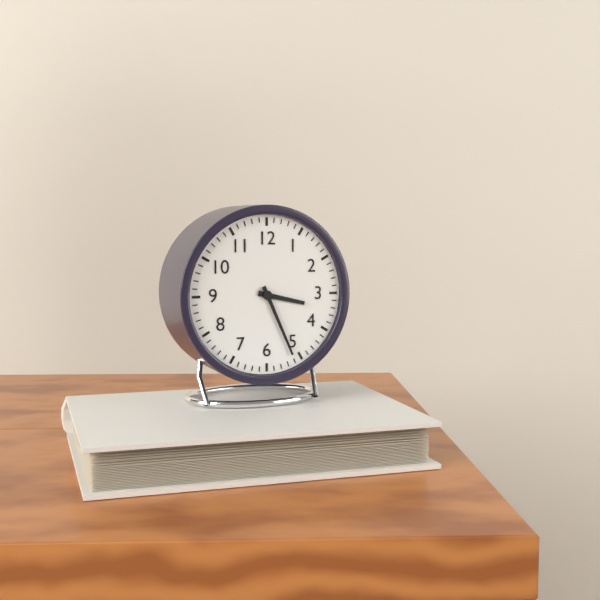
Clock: 3.26
